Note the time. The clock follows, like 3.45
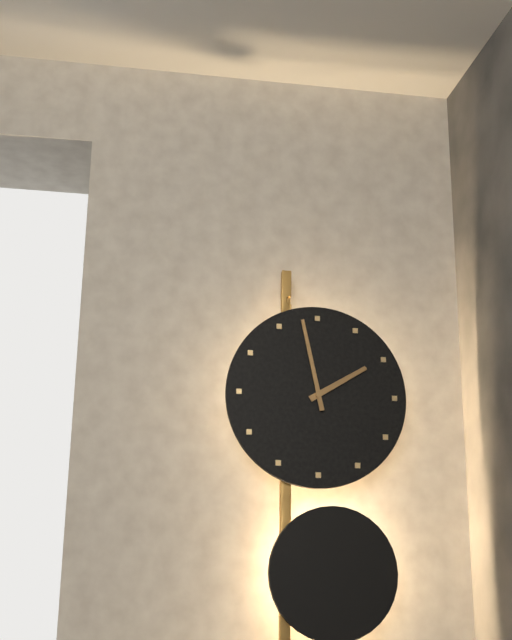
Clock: 1.58
